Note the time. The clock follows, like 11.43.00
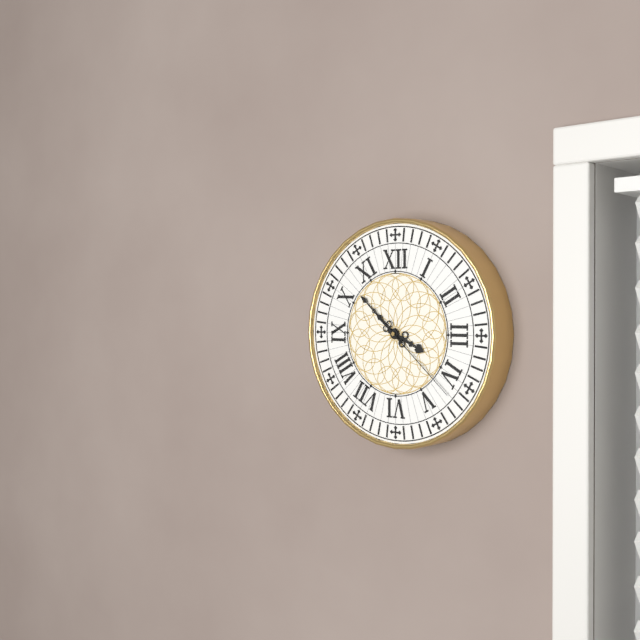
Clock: 3.52.22
